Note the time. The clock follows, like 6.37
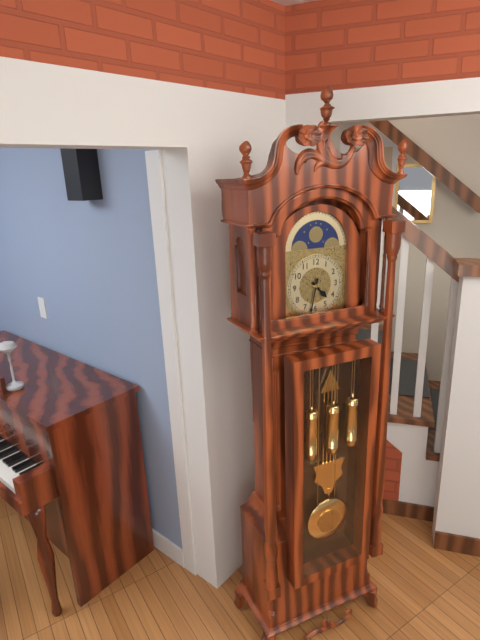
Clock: 4.32
